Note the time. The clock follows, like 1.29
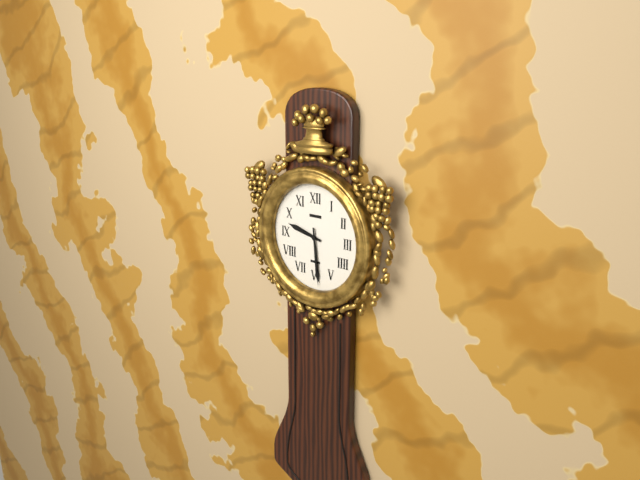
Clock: 9.29
